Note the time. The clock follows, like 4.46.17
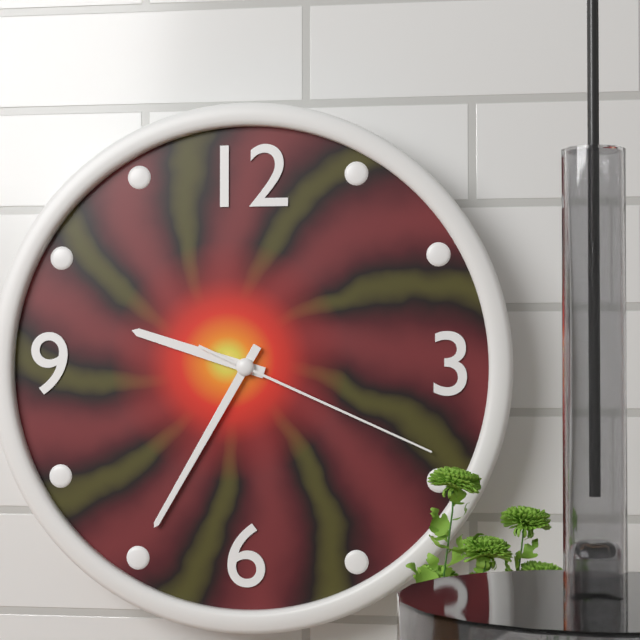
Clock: 9.35.19
